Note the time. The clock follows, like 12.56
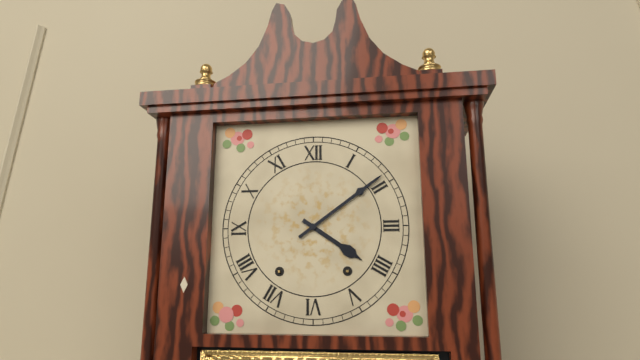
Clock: 4.09
